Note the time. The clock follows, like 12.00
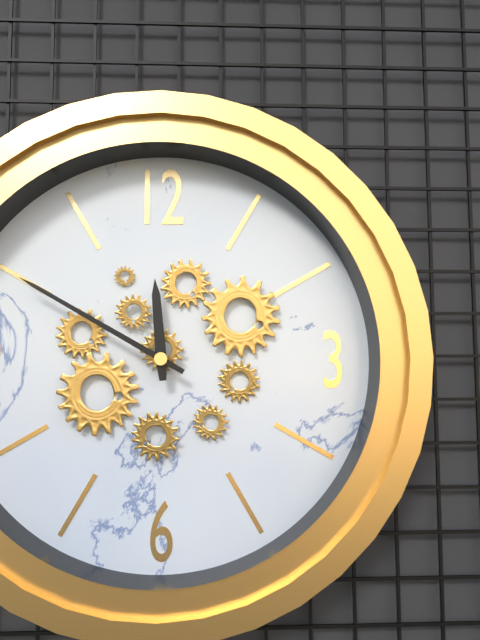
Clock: 11.50
